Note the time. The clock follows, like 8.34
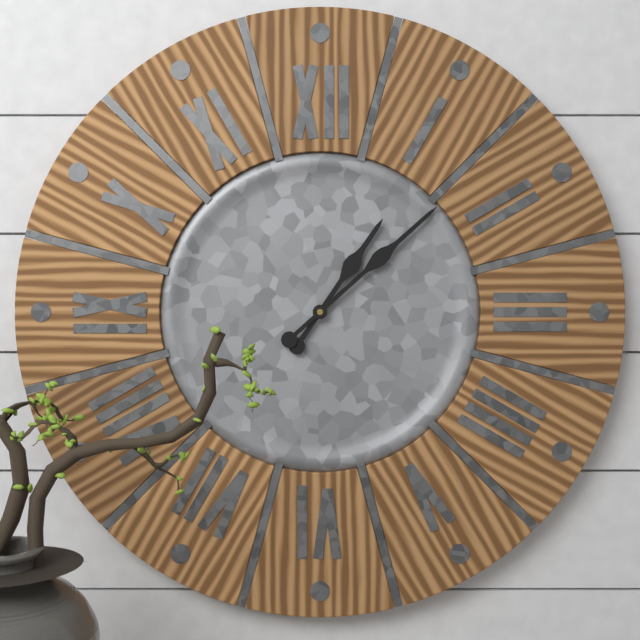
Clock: 1.08
